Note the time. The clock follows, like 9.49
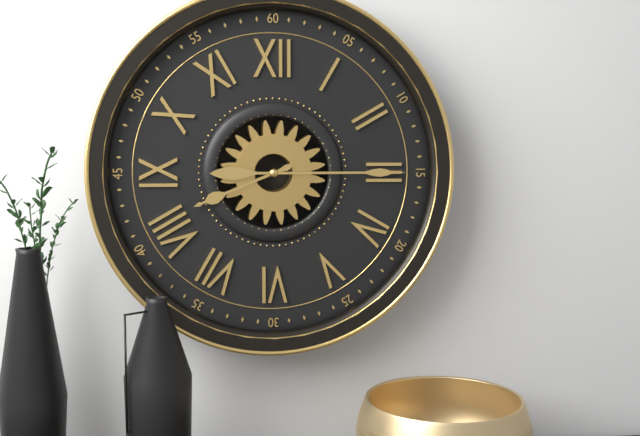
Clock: 8.15
